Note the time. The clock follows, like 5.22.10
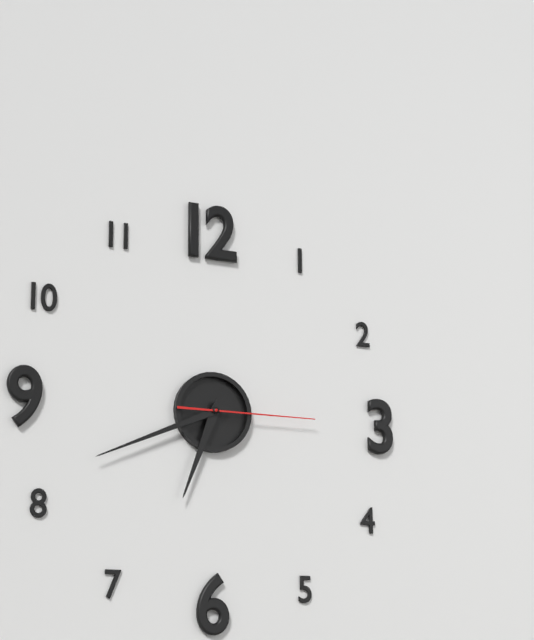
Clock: 6.41.15
